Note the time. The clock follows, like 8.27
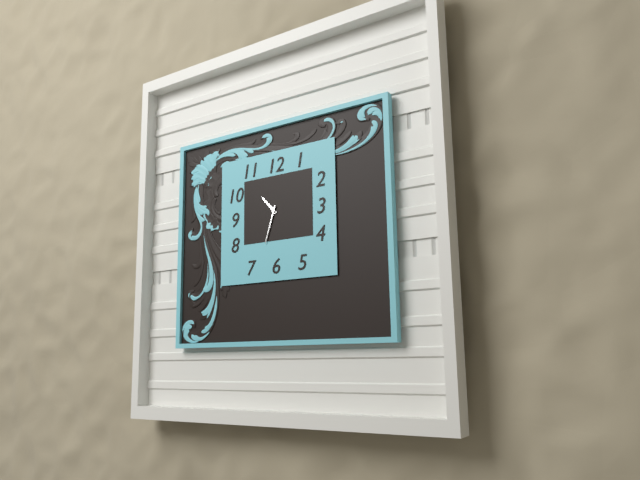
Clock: 10.33
